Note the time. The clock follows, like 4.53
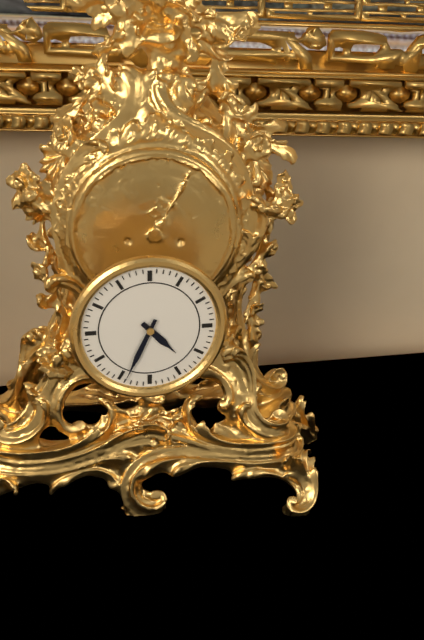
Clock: 4.34
